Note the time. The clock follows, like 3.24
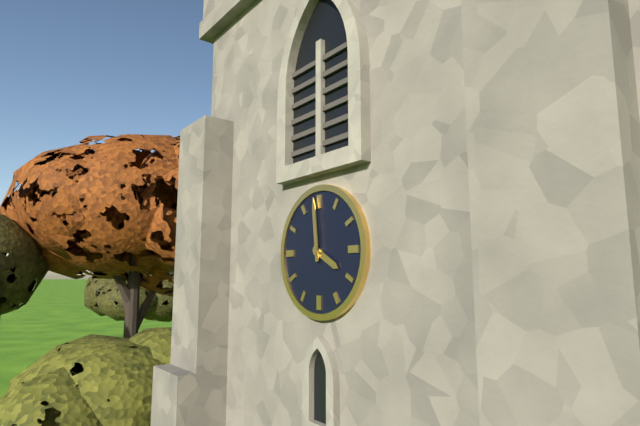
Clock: 3.59
